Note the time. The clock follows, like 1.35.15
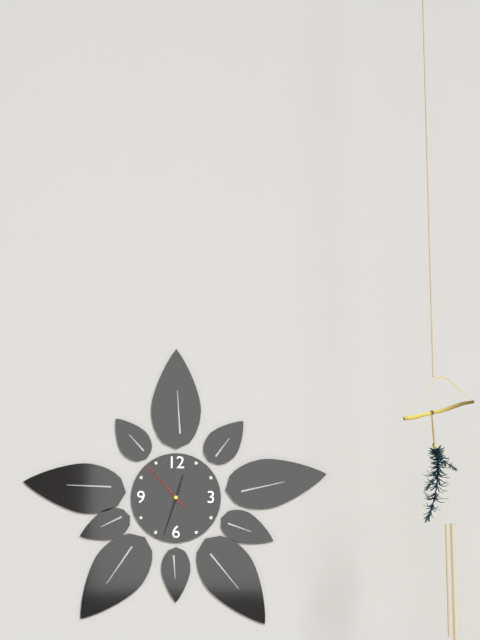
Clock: 12.33.53
